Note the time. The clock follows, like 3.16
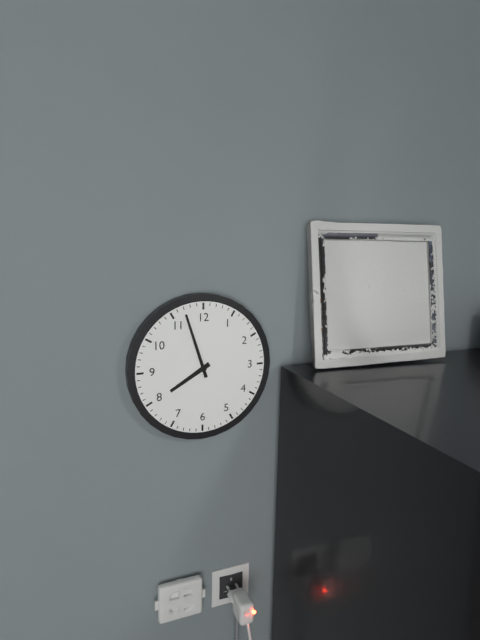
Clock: 7.57
